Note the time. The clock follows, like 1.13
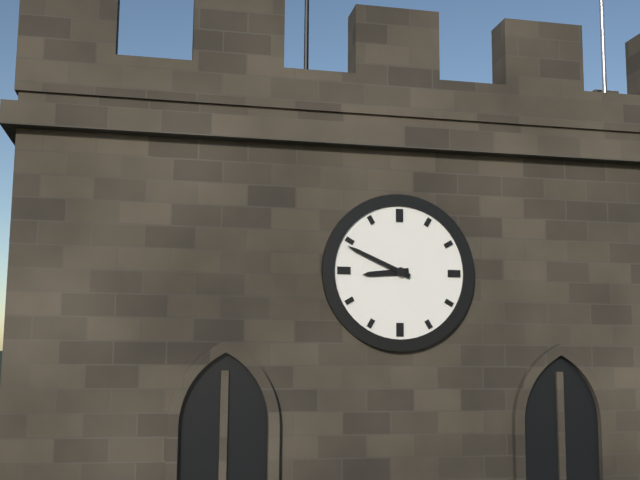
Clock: 8.49
